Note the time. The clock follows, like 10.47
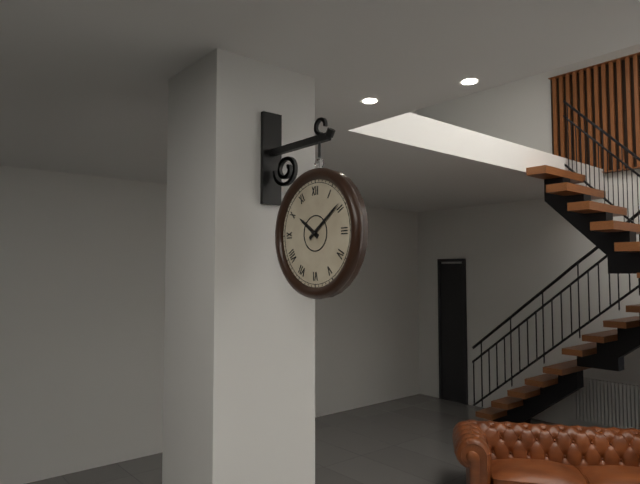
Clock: 10.09
